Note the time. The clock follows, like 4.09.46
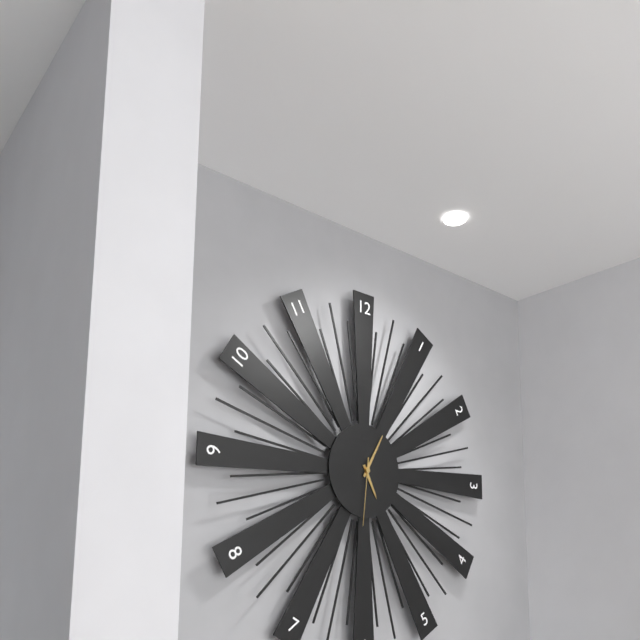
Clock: 5.05.31
